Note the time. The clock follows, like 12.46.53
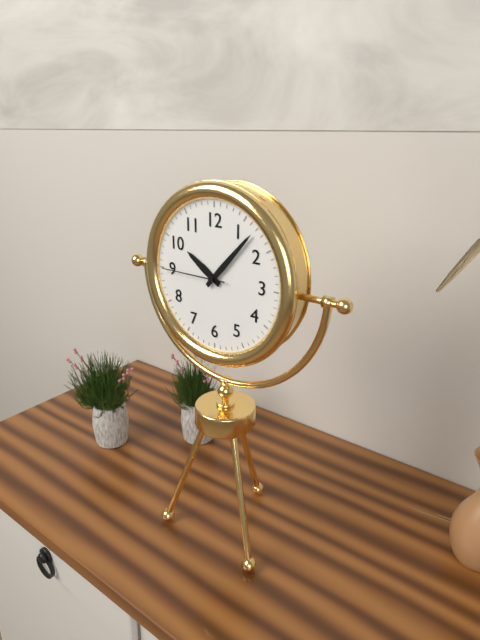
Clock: 10.07.45
